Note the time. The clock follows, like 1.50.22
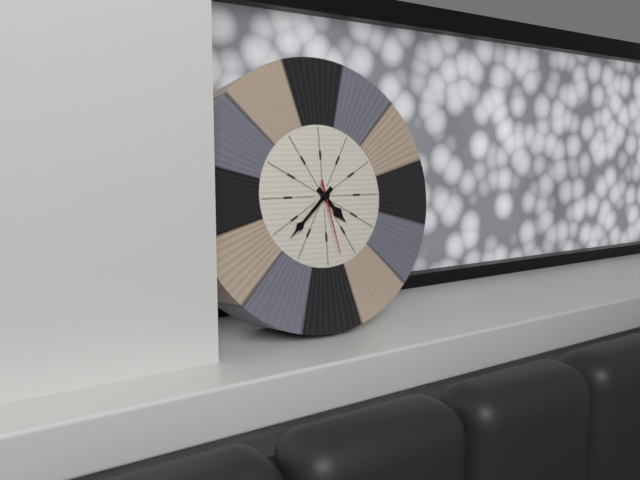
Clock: 4.38.28
